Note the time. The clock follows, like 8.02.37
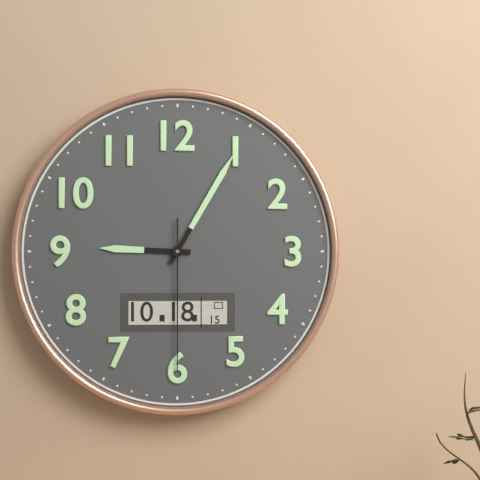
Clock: 9.05.30
